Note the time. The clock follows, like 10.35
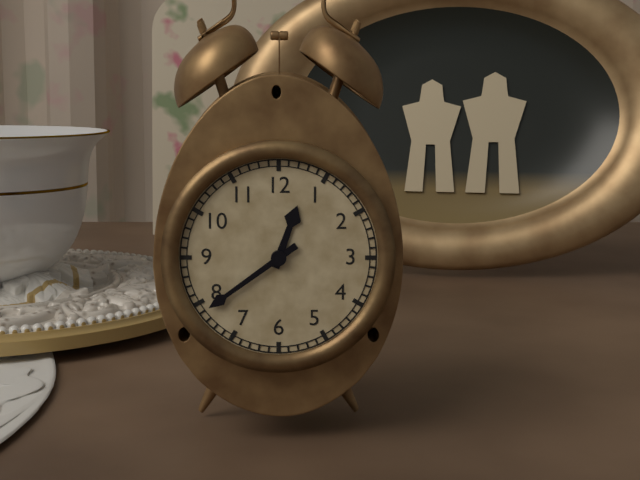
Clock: 12.39
